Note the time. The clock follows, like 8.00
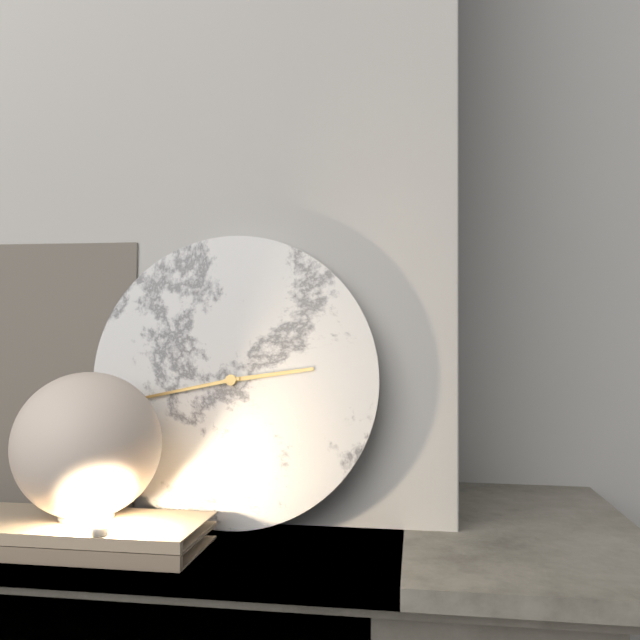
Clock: 2.43
